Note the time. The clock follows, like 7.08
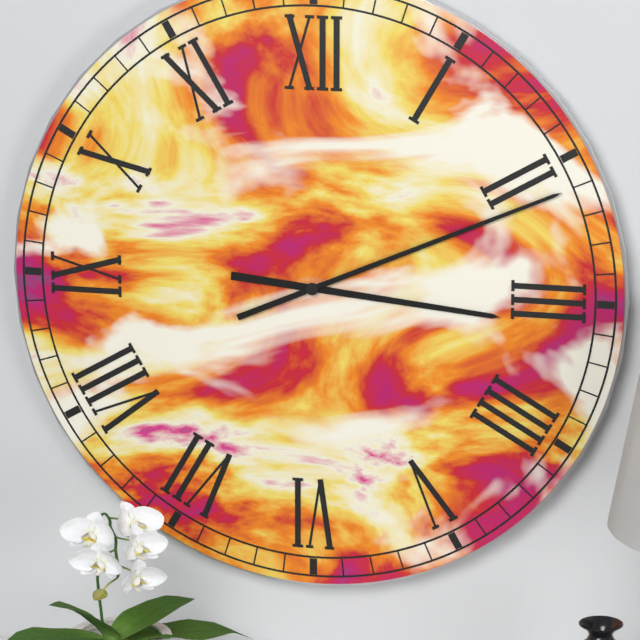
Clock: 3.11
